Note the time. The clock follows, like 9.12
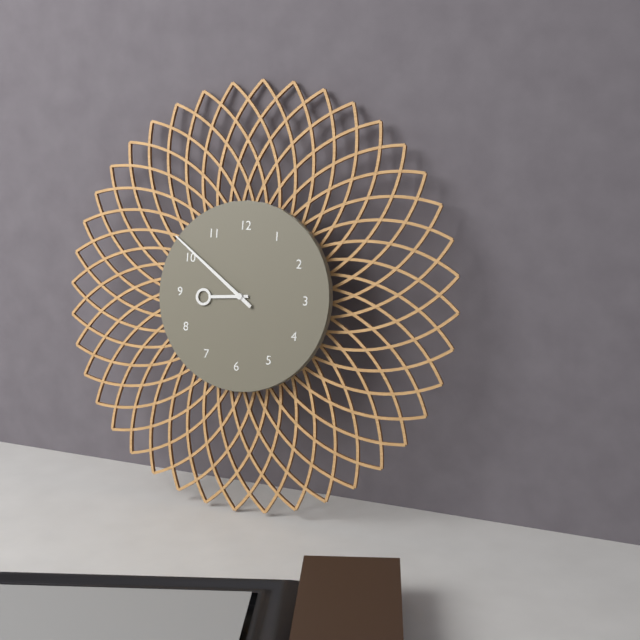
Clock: 8.51
